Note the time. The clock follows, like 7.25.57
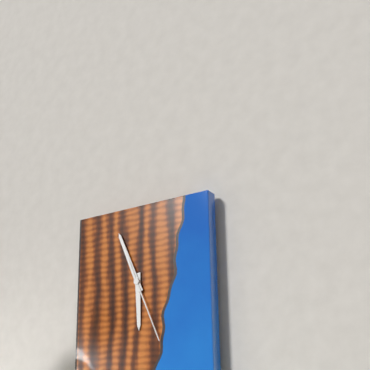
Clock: 5.56.26
